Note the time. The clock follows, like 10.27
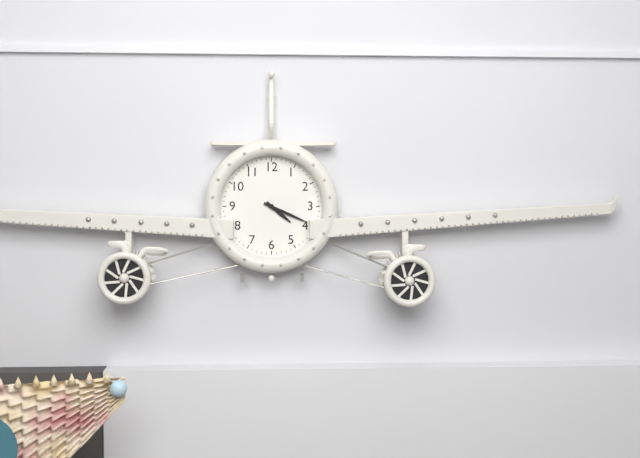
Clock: 4.19
